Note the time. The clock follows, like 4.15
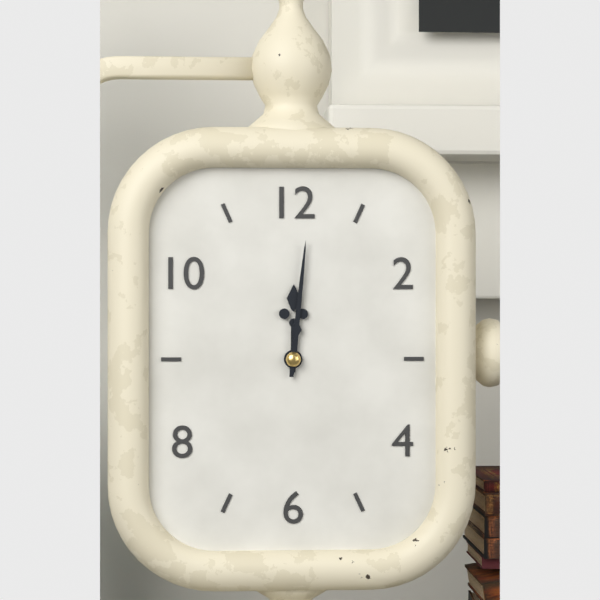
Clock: 12.01
